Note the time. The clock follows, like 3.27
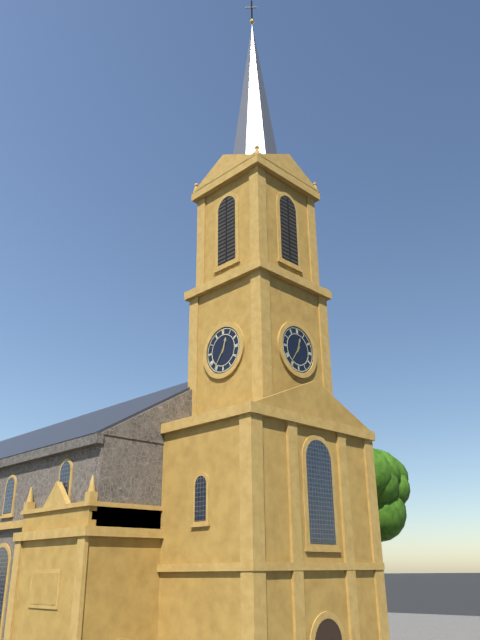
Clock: 12.36
